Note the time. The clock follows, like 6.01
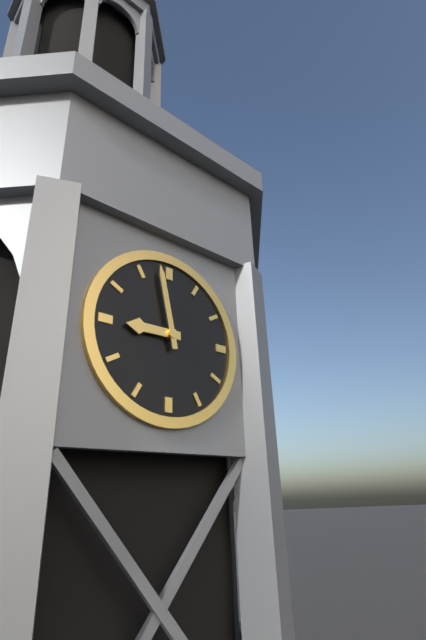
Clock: 8.58
